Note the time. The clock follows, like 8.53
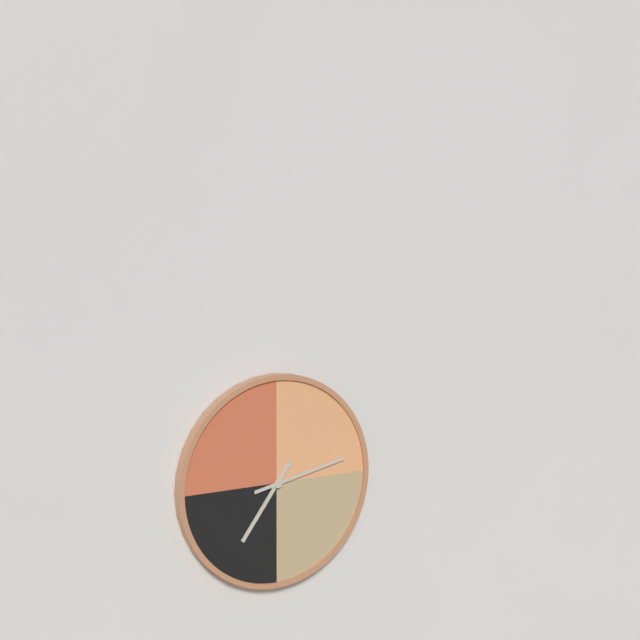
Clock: 7.13
